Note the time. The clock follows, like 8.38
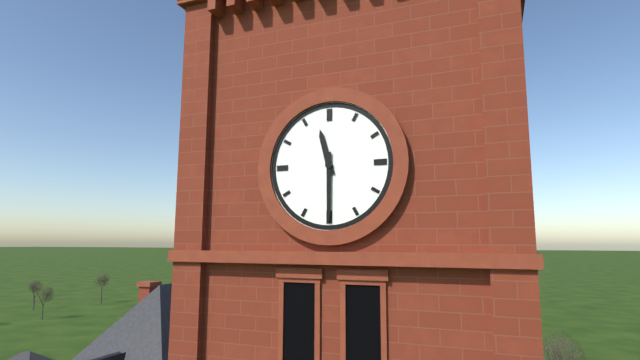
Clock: 11.30
